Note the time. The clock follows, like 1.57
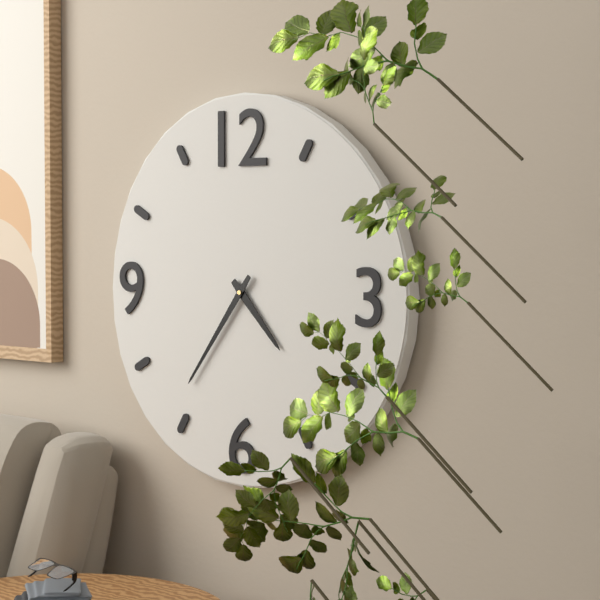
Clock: 4.36
